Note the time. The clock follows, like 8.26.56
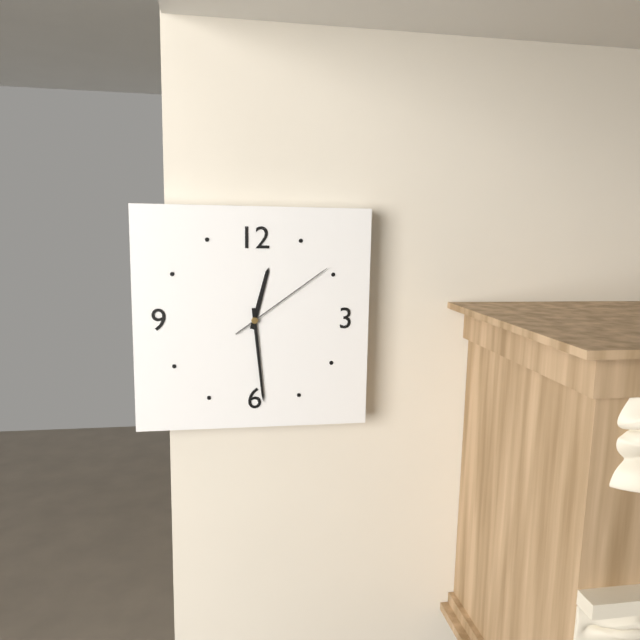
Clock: 12.29.09
